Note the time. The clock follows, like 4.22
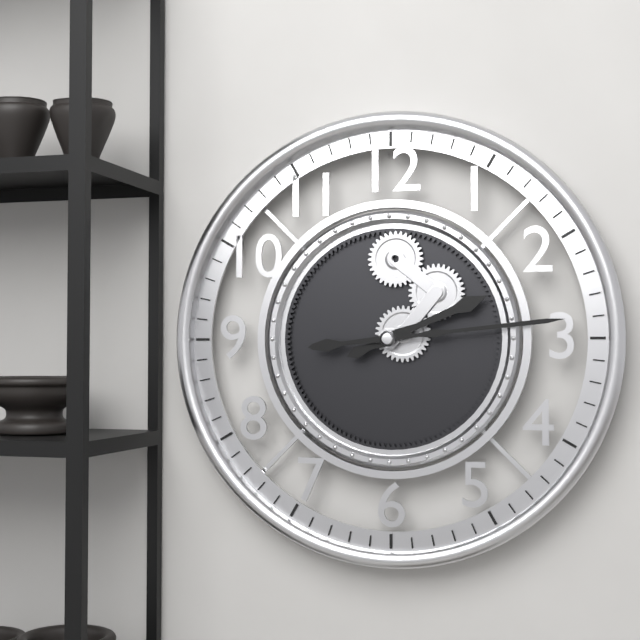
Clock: 2.14
